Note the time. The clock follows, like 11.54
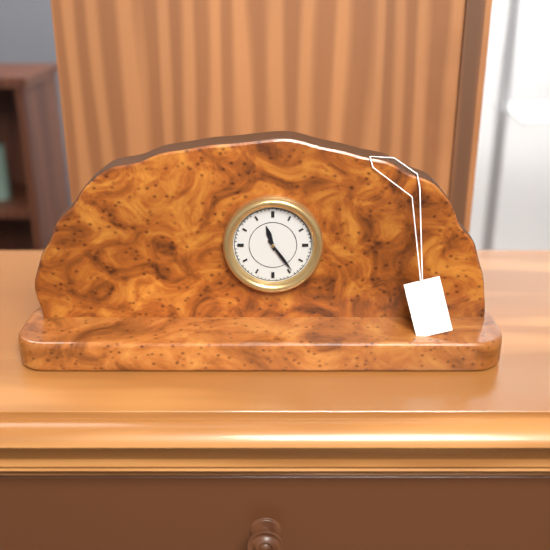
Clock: 11.24
